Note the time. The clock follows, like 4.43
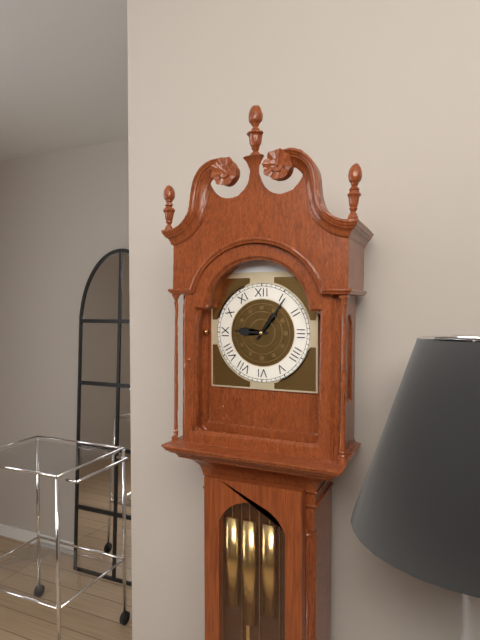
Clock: 9.06
